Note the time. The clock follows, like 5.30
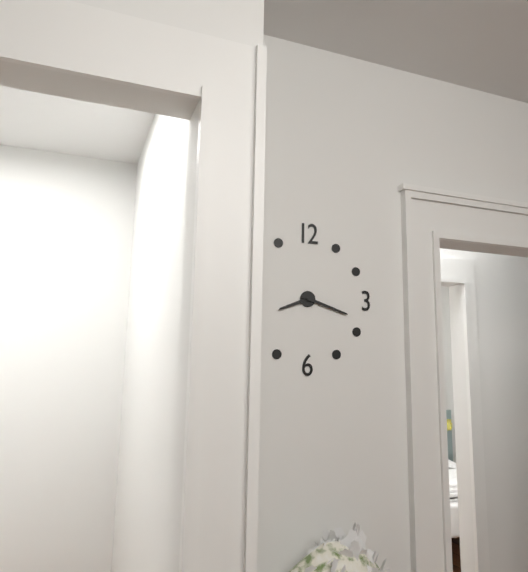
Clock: 8.18
